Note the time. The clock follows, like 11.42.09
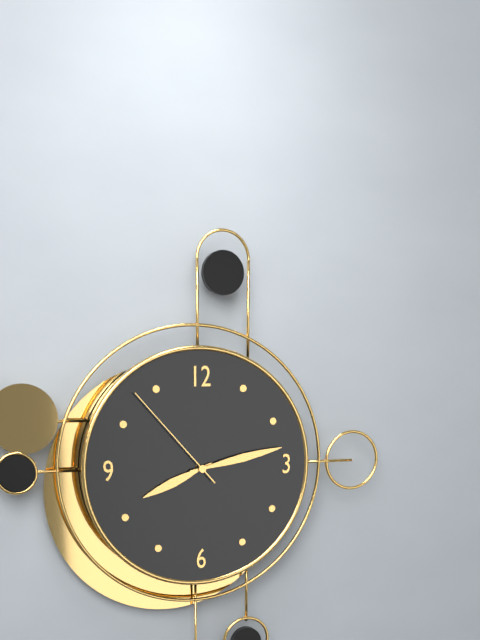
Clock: 8.13.53
